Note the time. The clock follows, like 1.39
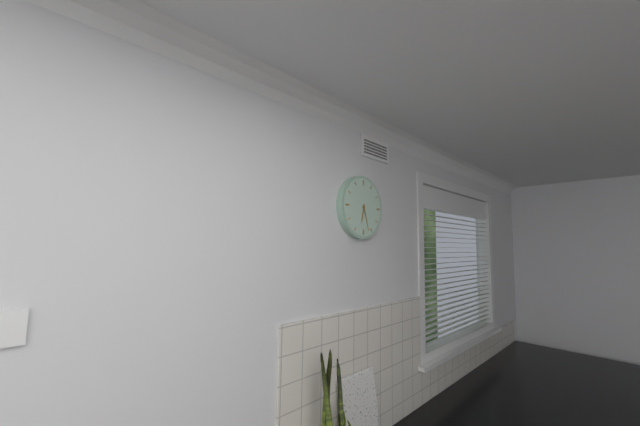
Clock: 6.27
